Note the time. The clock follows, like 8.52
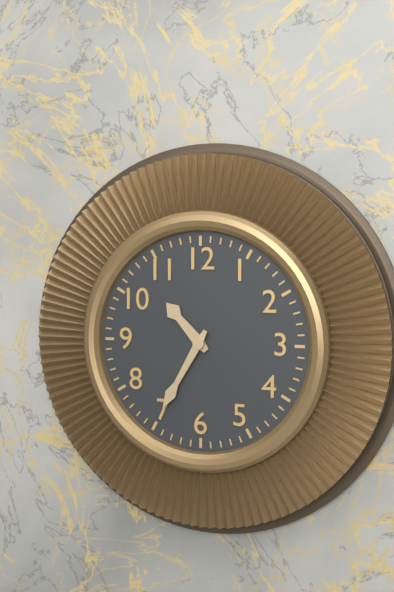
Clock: 10.35
